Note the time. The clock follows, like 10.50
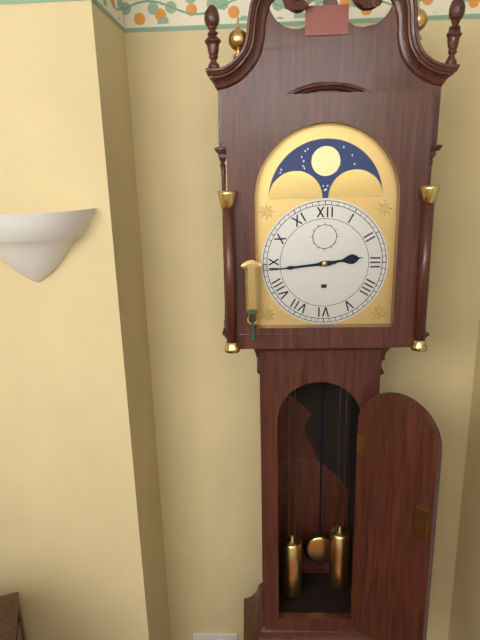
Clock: 2.44
